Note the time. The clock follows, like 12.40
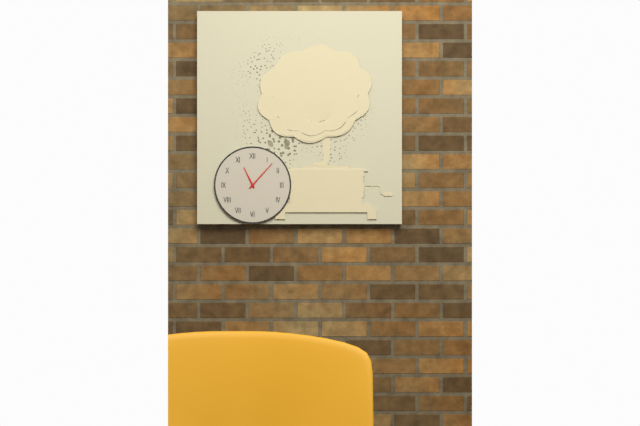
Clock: 11.07
